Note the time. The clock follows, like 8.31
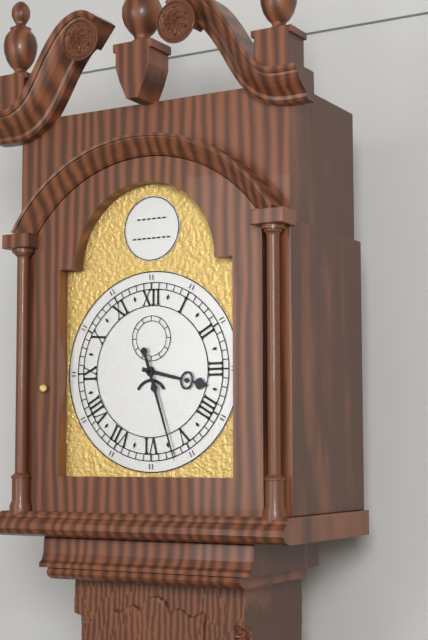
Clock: 3.27
